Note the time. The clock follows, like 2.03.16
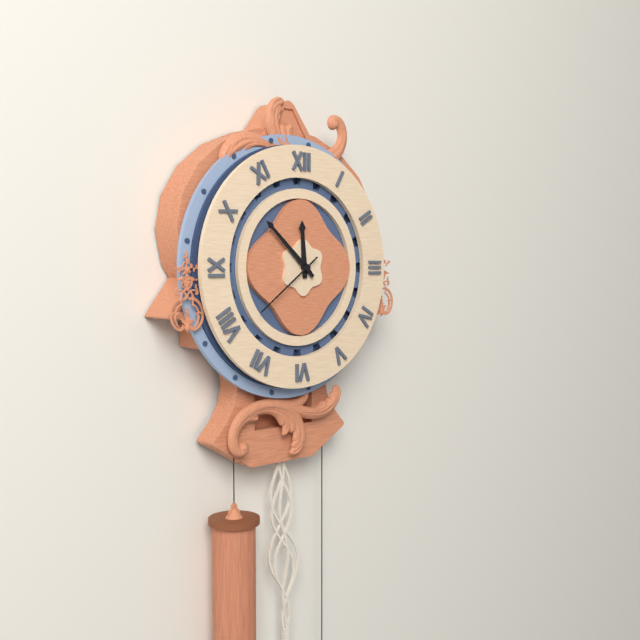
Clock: 11.52.39
